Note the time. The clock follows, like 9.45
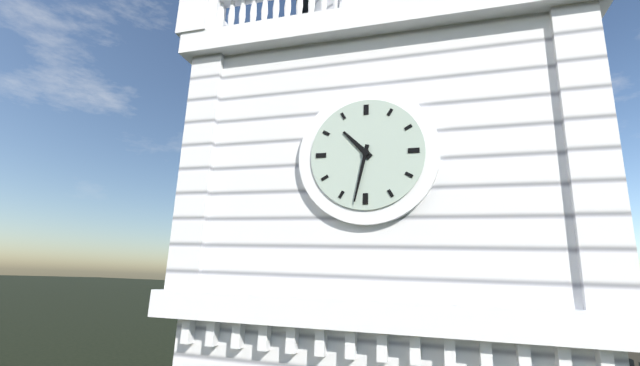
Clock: 10.32
